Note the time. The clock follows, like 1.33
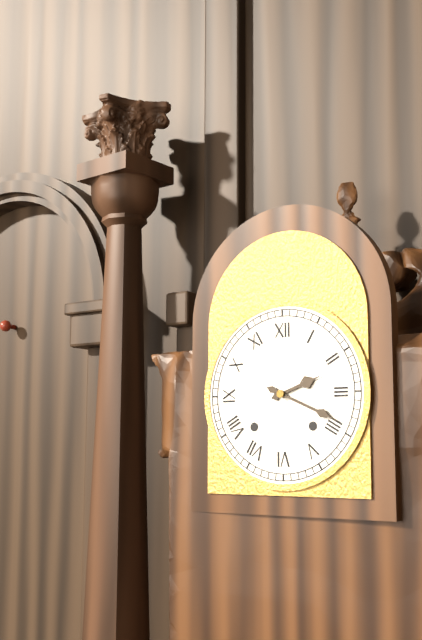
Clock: 2.19
